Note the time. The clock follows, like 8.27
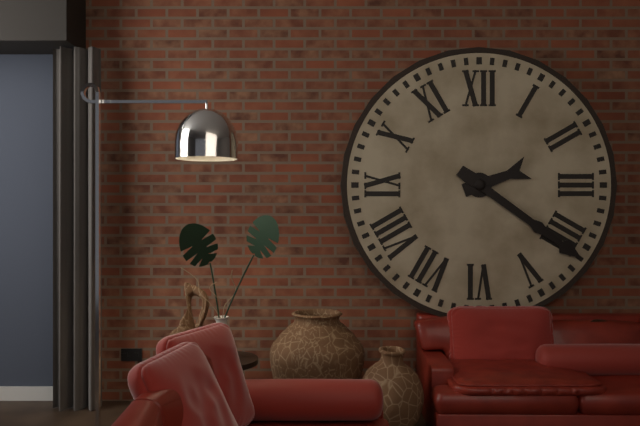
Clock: 2.21
